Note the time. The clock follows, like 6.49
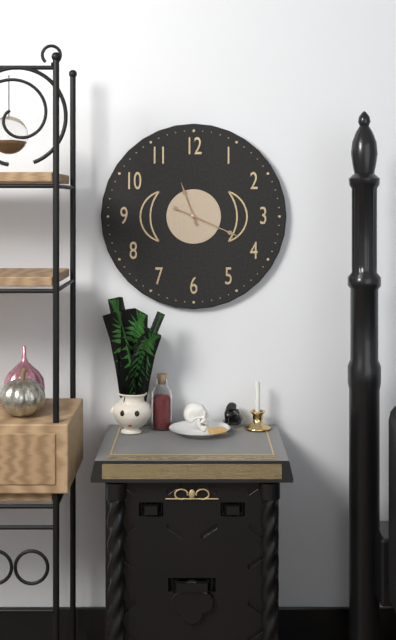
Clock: 11.19
